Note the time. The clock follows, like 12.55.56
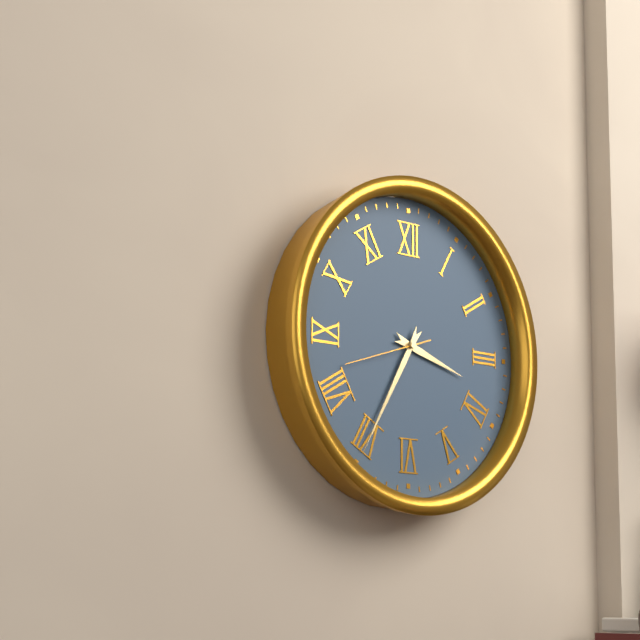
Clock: 3.35.42
